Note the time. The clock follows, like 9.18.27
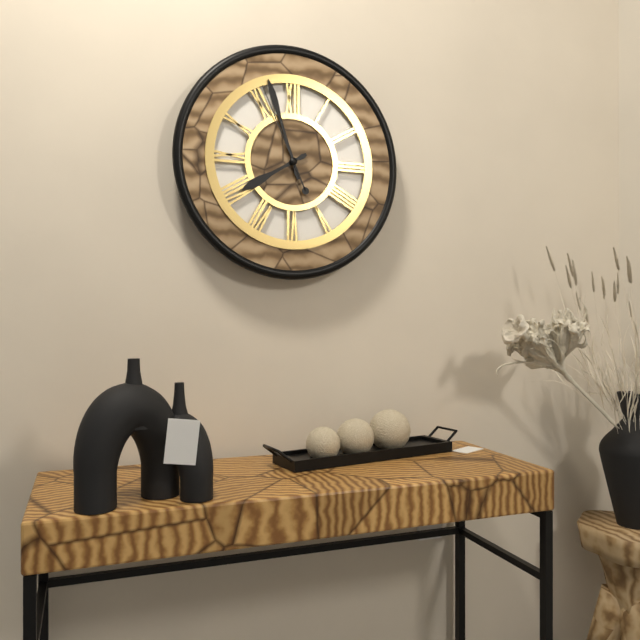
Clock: 7.57.56
